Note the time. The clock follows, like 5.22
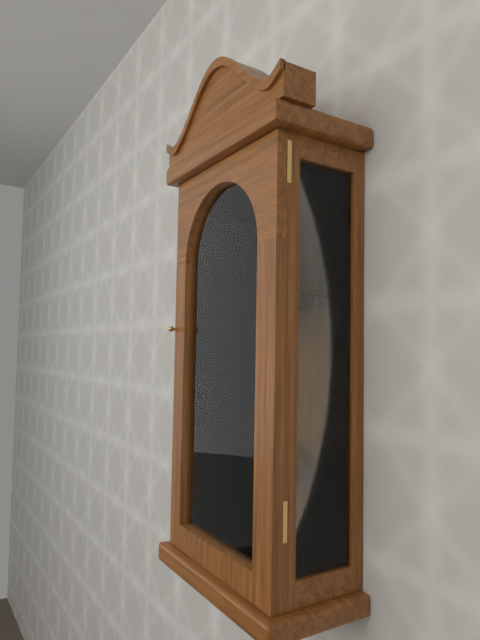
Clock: 3.31
